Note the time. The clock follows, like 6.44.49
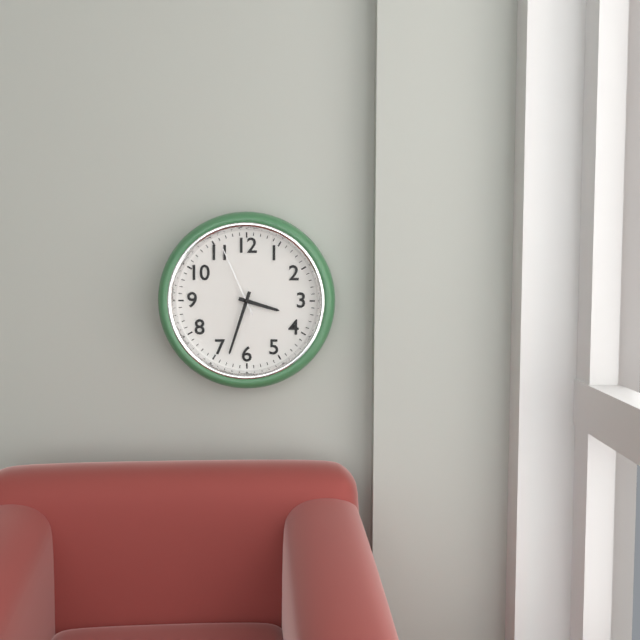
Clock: 3.33.56
